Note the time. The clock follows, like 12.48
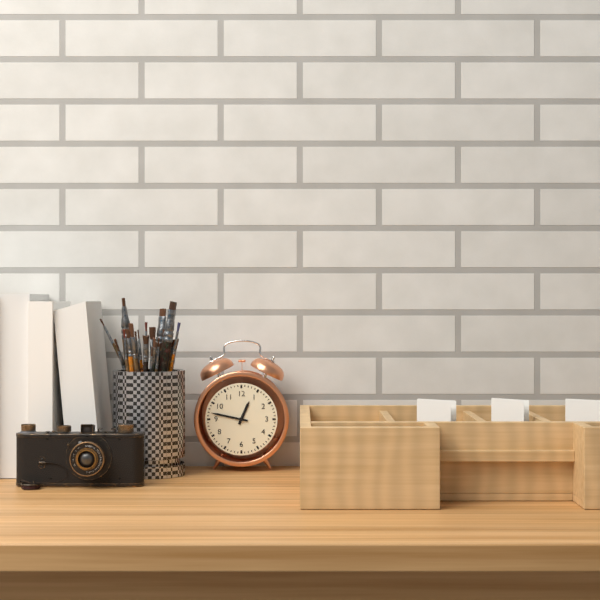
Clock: 12.47
